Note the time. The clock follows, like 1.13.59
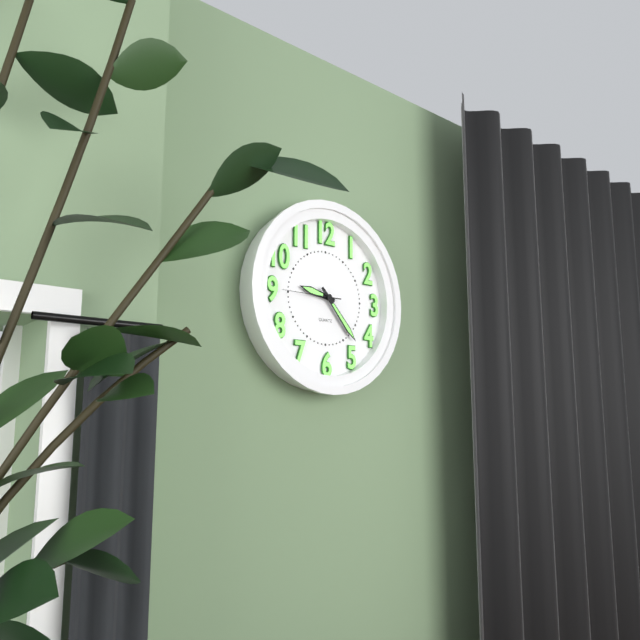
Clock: 9.23.45
